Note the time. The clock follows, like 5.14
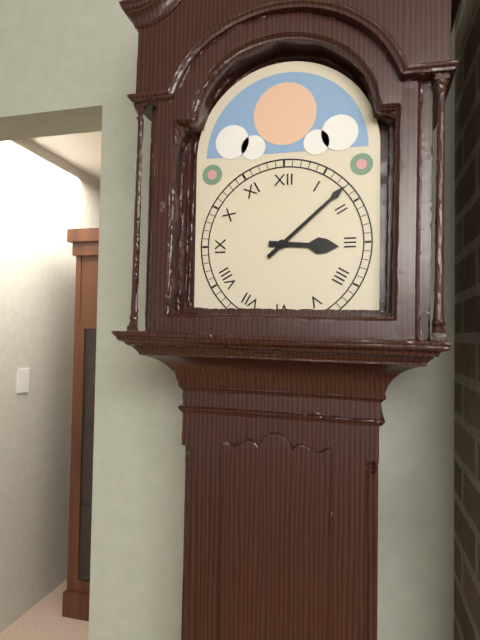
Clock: 3.08
